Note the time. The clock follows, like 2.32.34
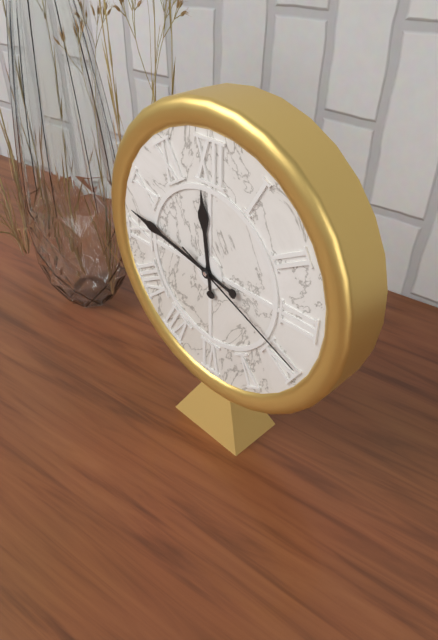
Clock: 11.47.19
